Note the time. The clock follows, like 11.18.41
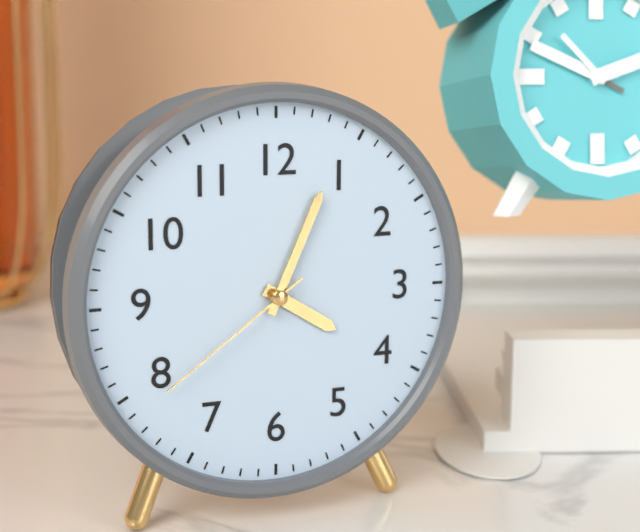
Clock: 4.04.39
